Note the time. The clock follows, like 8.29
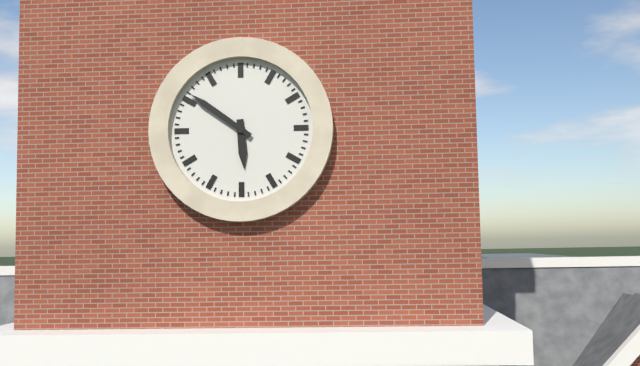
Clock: 5.51
